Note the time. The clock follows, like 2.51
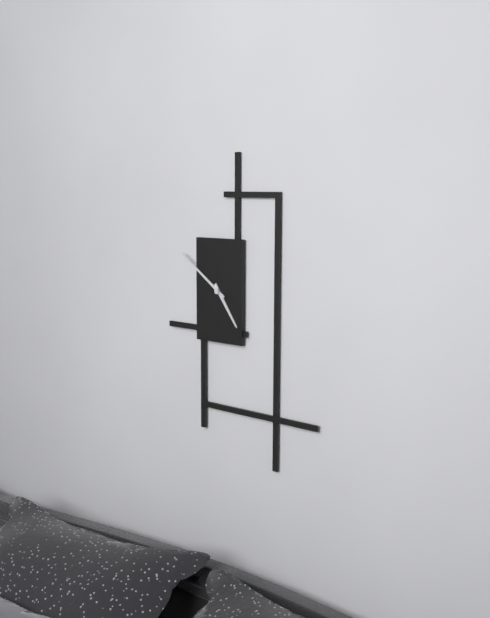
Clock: 4.51
